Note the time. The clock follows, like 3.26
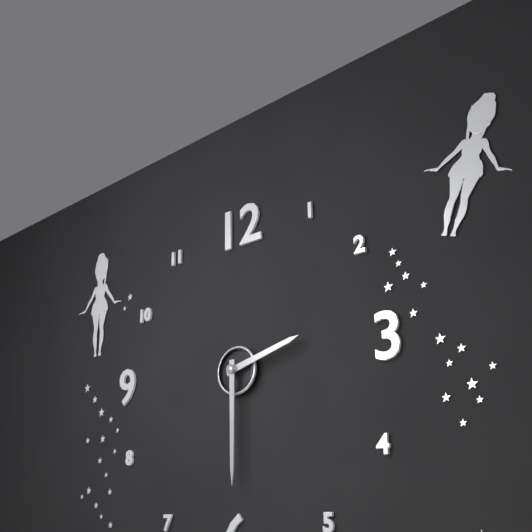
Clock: 2.30
